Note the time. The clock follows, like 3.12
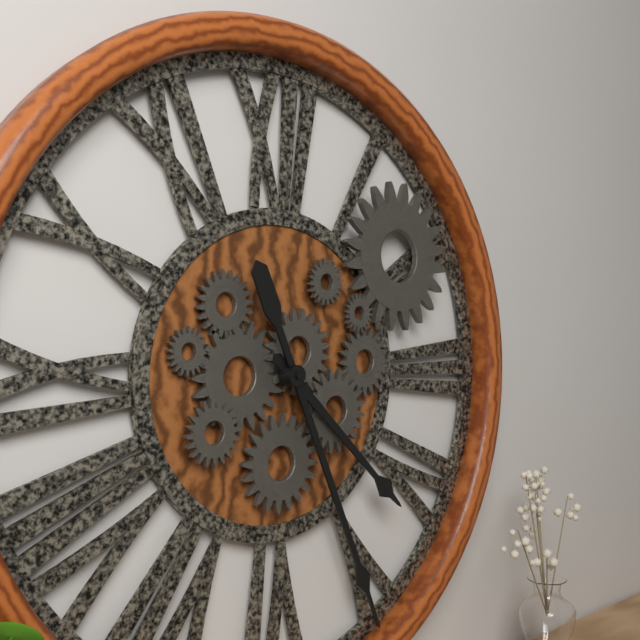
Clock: 4.26
